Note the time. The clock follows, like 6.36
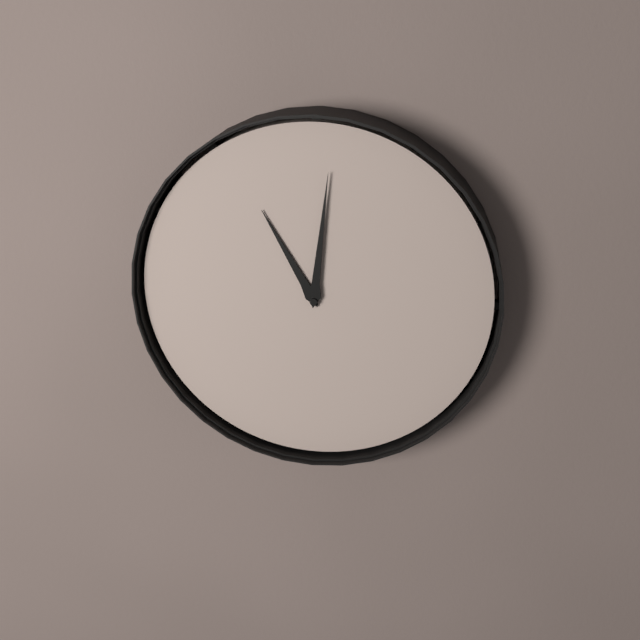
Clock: 11.01
